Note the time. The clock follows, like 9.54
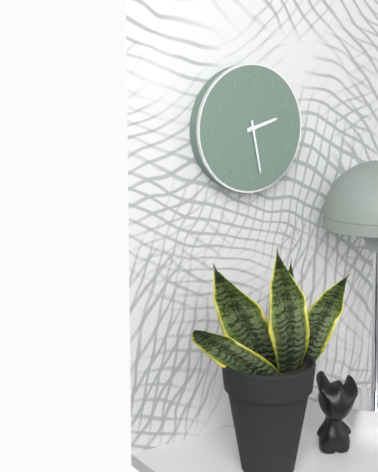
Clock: 2.28
